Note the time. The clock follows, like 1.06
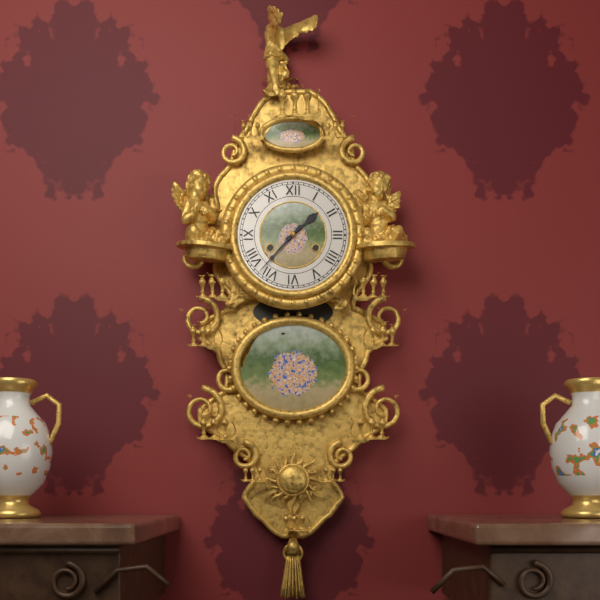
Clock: 1.37
